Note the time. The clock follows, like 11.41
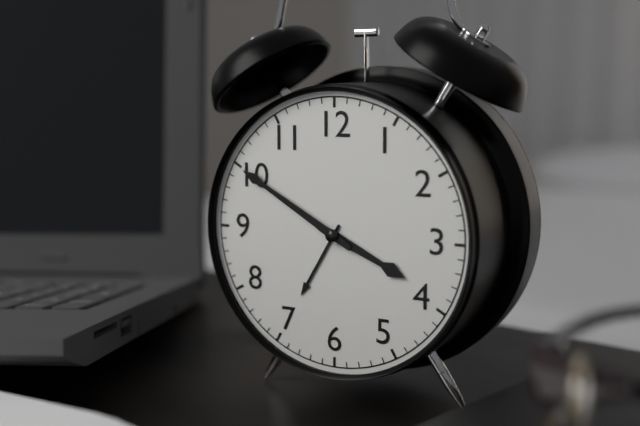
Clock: 3.50
